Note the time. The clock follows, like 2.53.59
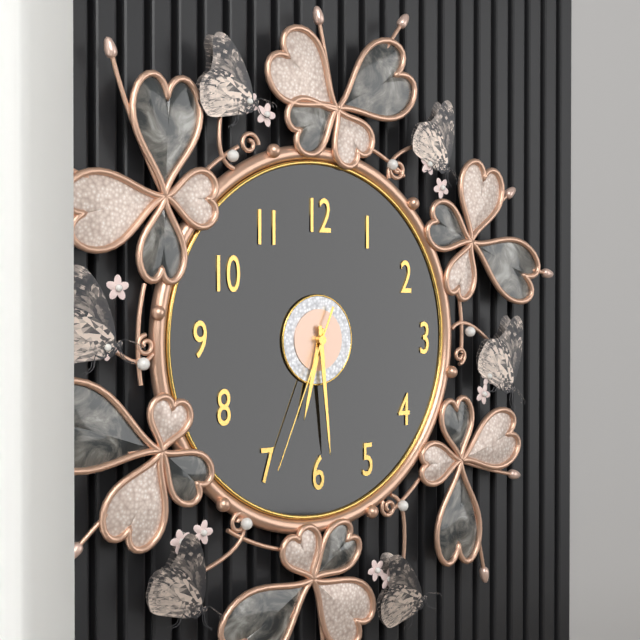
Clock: 6.29.34
